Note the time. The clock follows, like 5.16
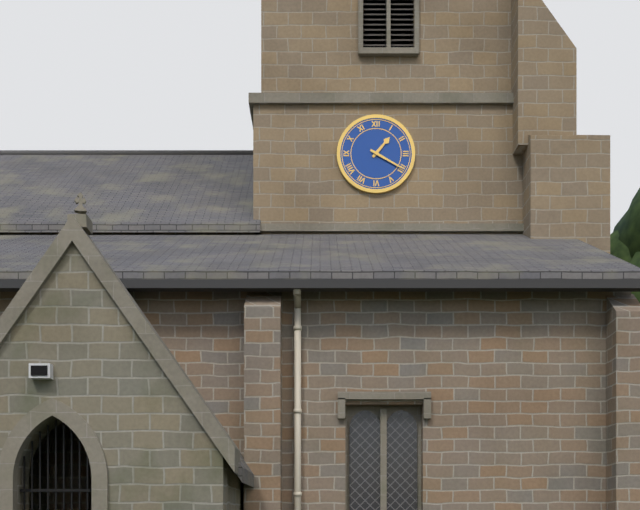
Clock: 1.20
